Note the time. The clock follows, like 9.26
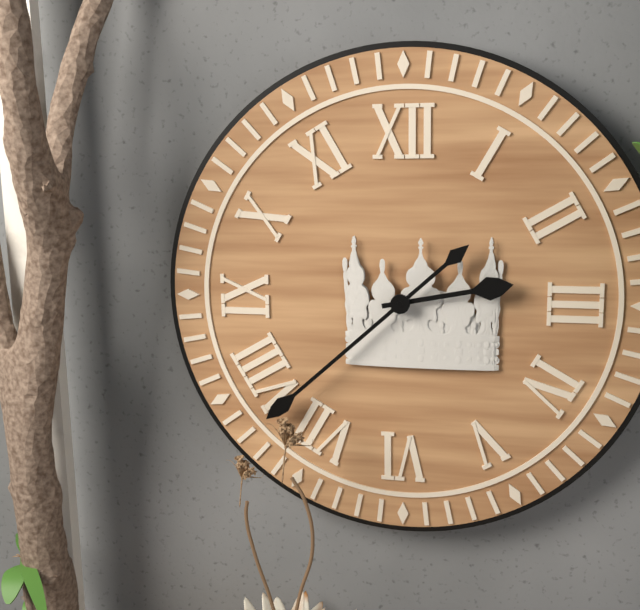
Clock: 2.38
